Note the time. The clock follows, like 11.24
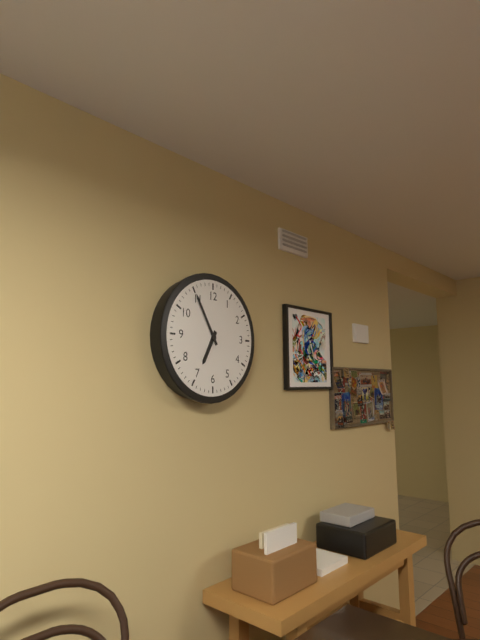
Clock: 6.55
